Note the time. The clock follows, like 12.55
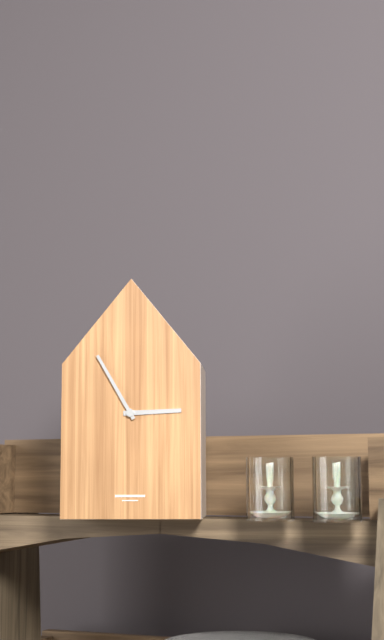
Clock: 2.55
